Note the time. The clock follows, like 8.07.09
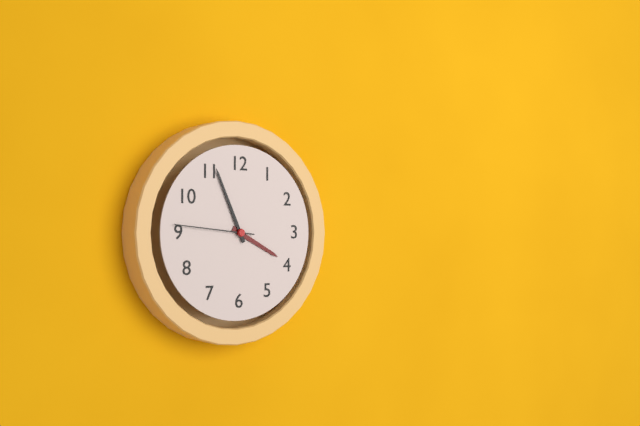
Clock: 3.56.46
